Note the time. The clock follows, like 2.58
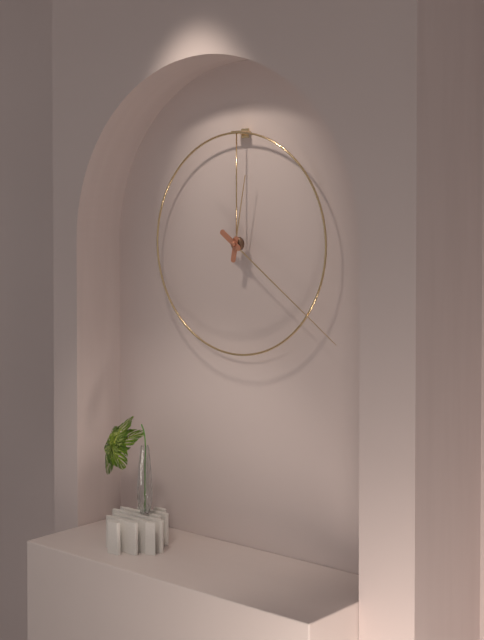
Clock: 12.21
